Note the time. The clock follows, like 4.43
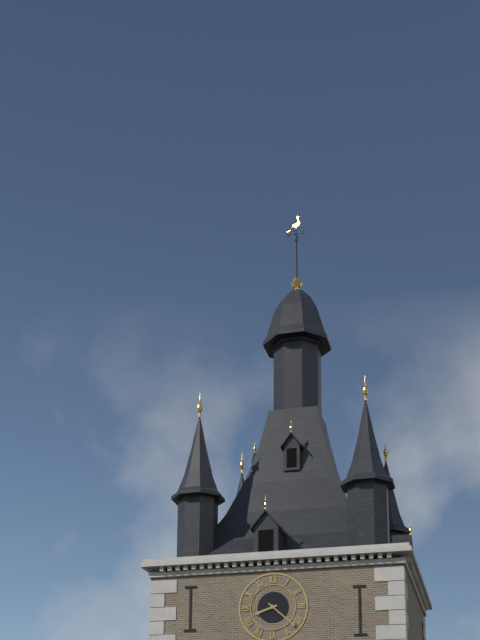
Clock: 8.22
